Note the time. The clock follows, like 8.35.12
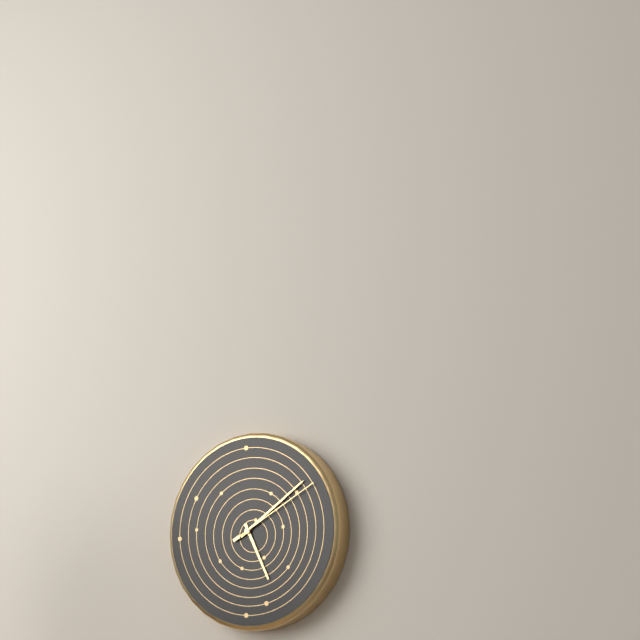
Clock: 5.09.10
